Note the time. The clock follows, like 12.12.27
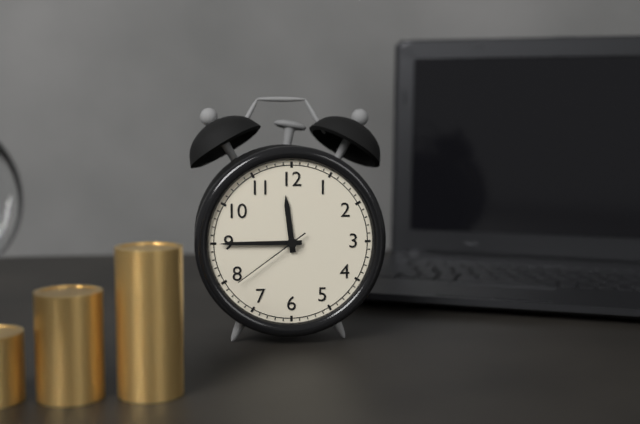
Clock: 11.45.39
